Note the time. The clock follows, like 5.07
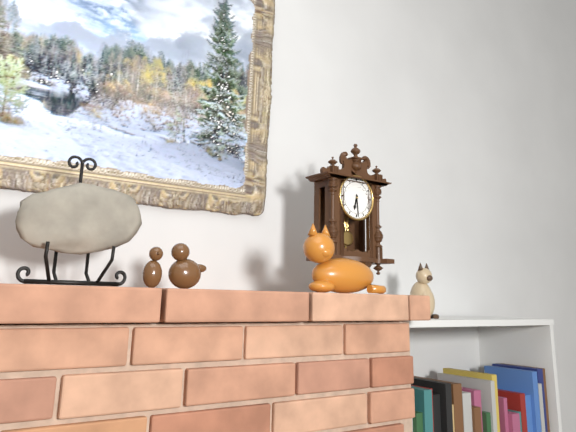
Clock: 6.29
